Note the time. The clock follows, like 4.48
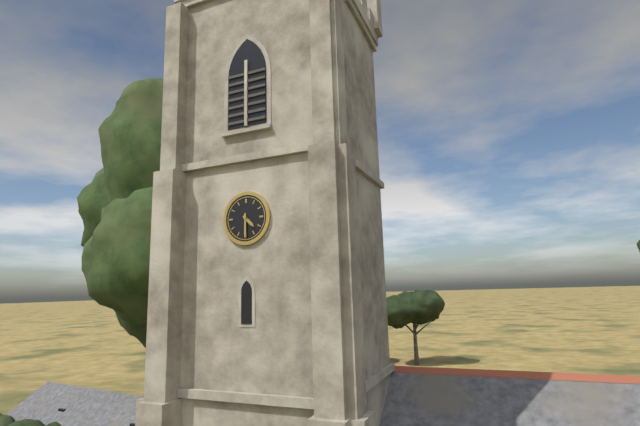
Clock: 4.30
